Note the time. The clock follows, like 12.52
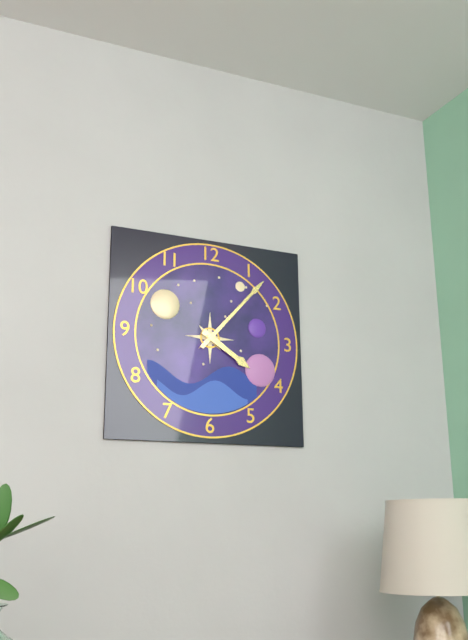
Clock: 4.07
